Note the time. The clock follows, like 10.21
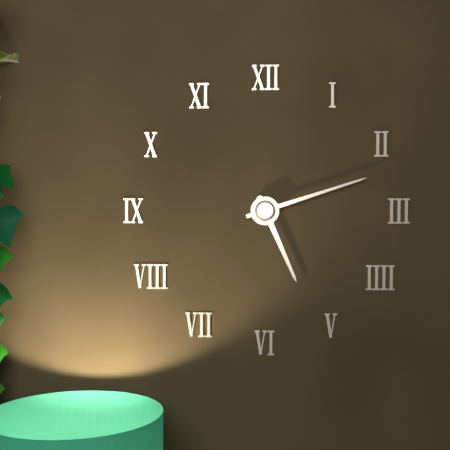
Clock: 5.12
